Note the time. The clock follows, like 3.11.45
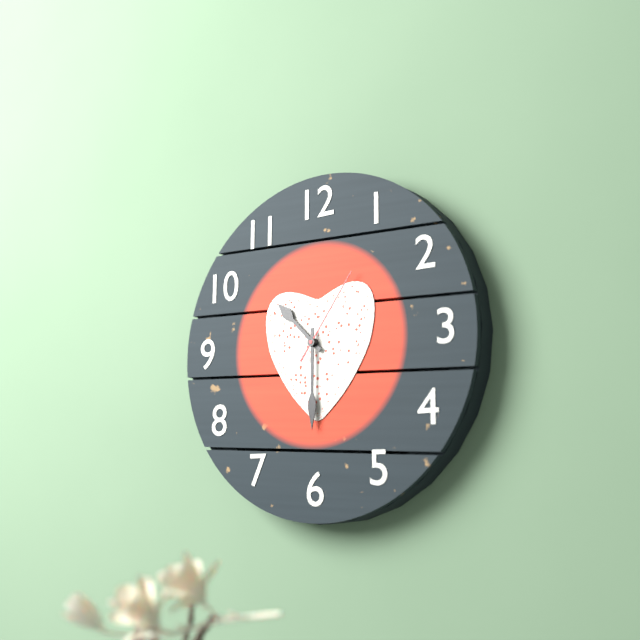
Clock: 10.30.06
